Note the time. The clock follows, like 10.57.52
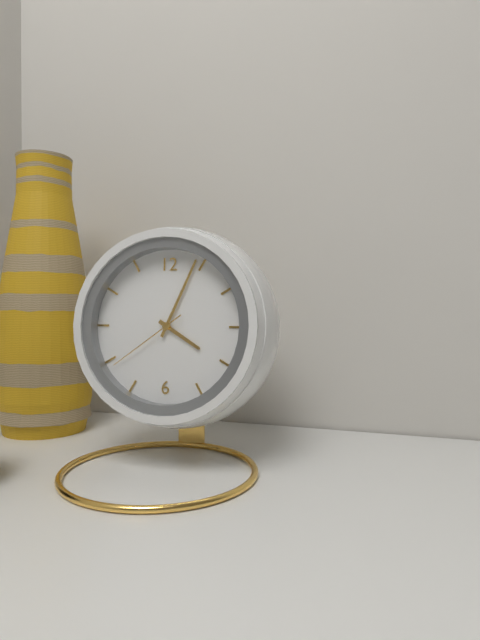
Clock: 4.04.39
